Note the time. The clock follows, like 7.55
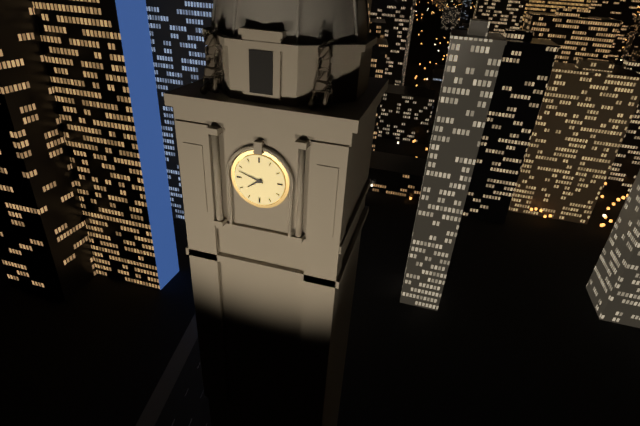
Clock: 7.48
